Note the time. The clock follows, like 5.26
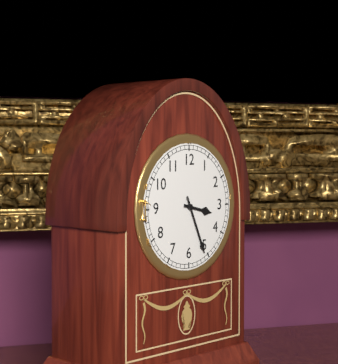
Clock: 3.26
